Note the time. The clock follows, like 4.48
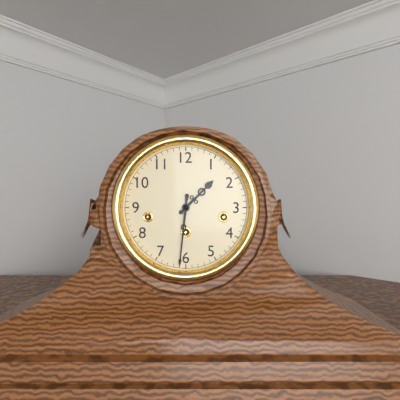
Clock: 1.31
